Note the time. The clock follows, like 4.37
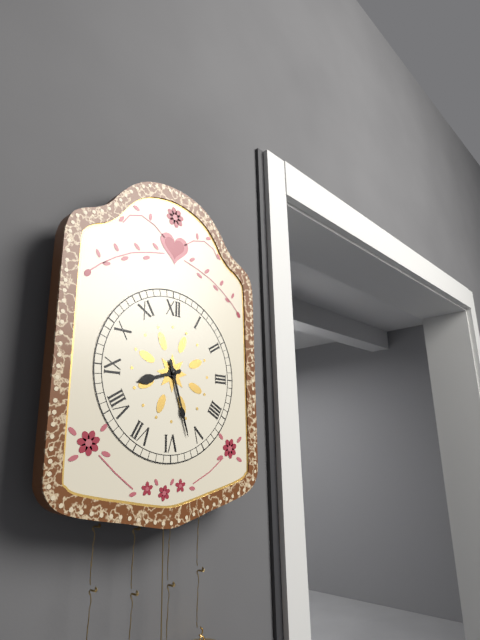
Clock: 8.27
